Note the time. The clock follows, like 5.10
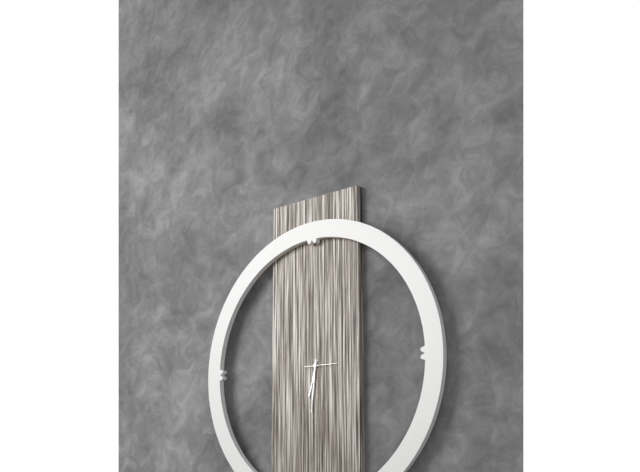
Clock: 6.31
